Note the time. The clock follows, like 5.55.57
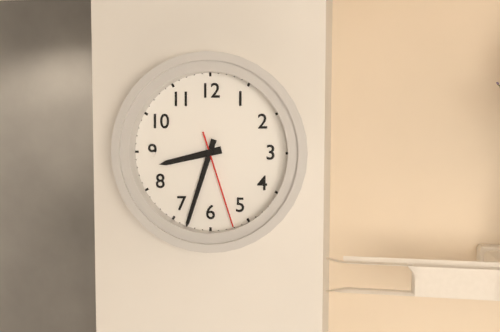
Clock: 8.33.27
